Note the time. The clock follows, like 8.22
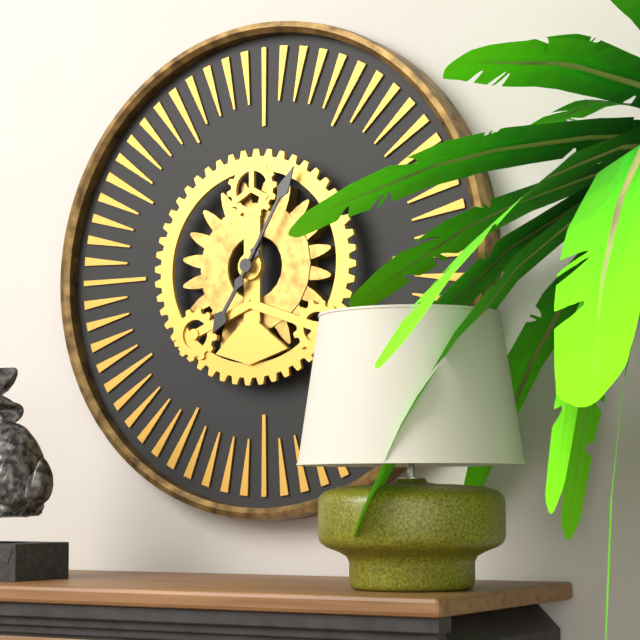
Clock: 7.05
